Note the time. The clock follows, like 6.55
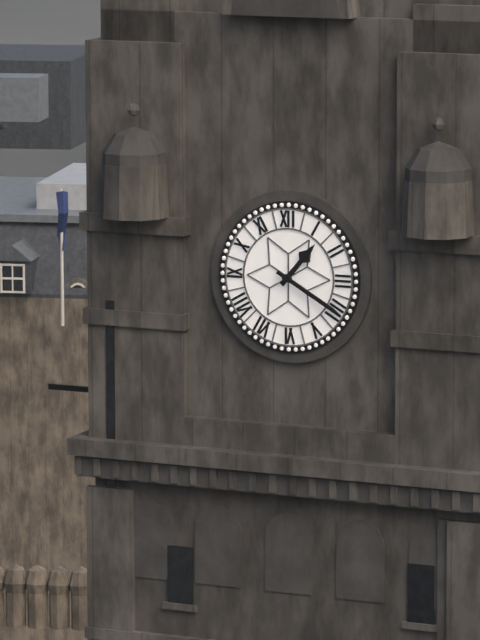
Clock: 1.20
